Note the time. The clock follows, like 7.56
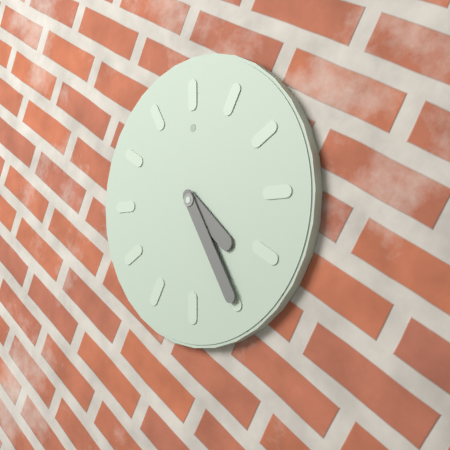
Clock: 4.25
